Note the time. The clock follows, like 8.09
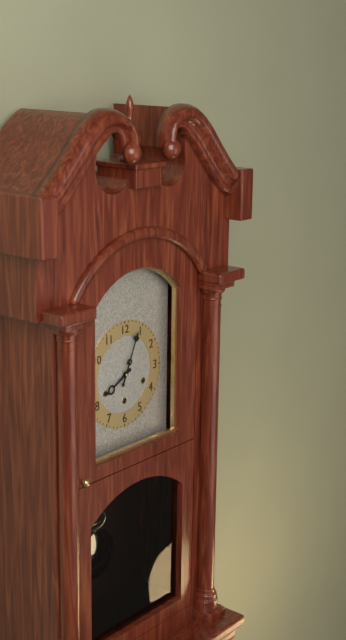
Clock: 8.04
